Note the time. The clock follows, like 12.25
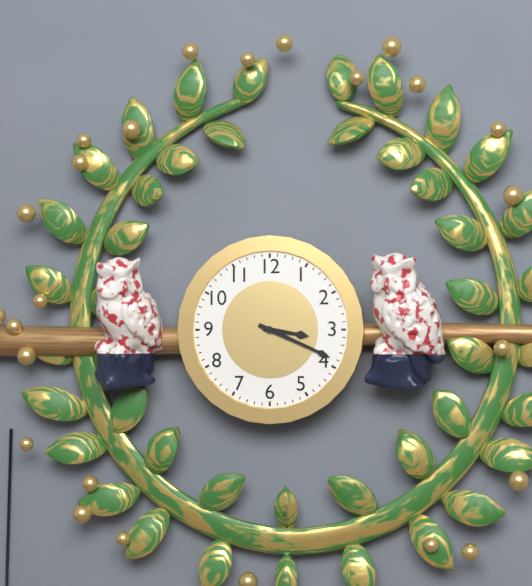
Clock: 3.19
